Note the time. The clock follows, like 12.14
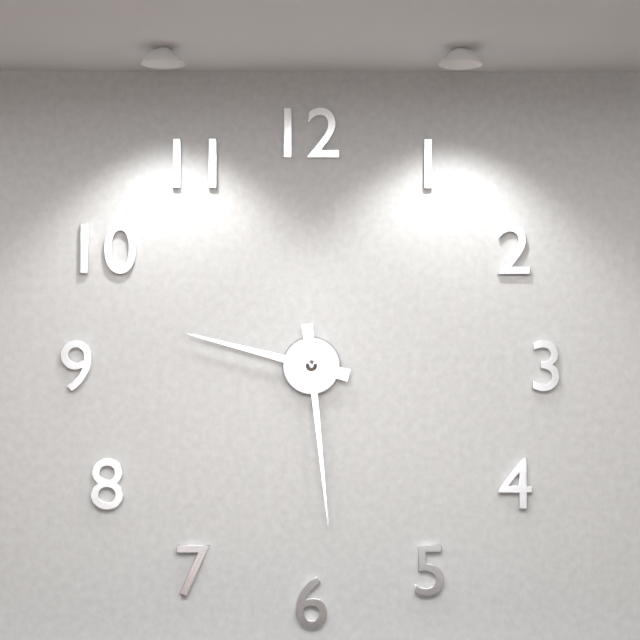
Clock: 9.29
